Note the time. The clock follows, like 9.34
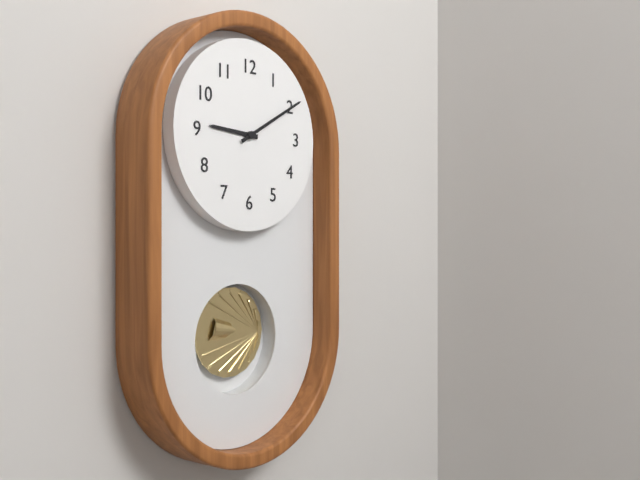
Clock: 9.10
